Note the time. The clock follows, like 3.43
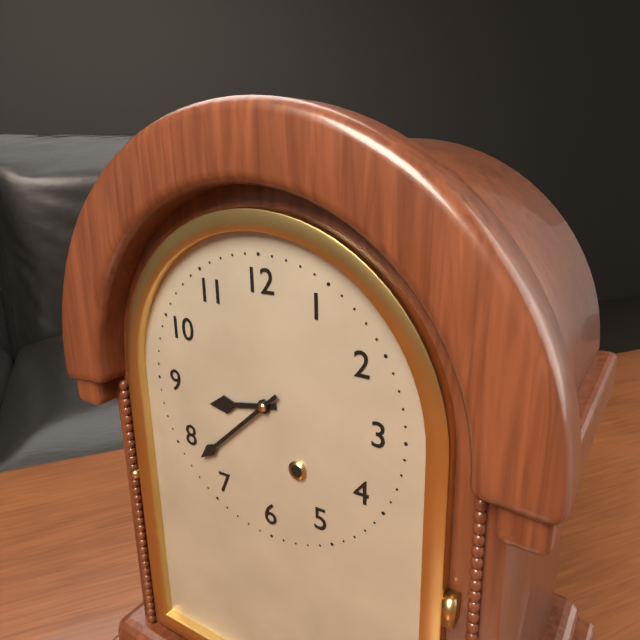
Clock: 8.38
